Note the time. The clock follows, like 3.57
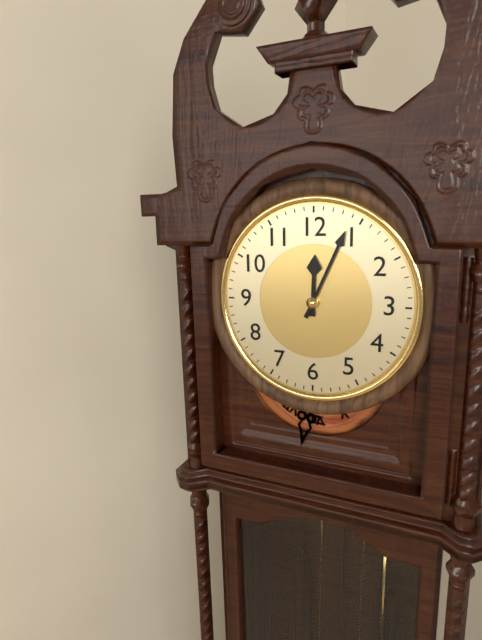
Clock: 12.04
